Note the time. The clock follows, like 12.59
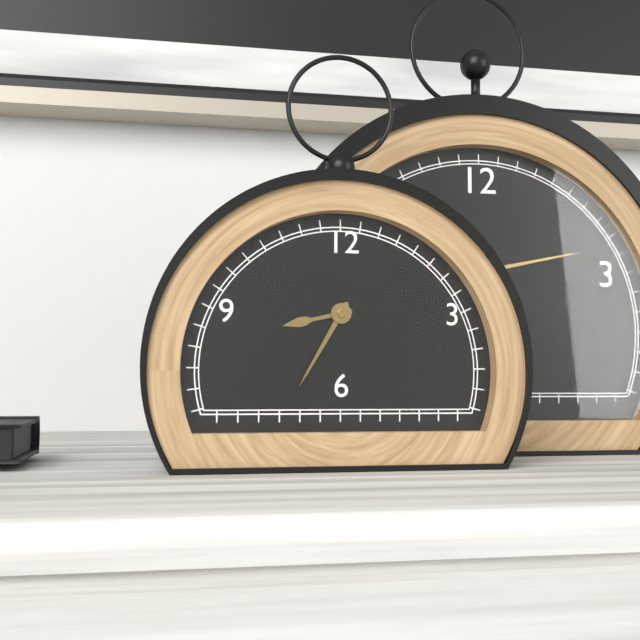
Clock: 8.35
